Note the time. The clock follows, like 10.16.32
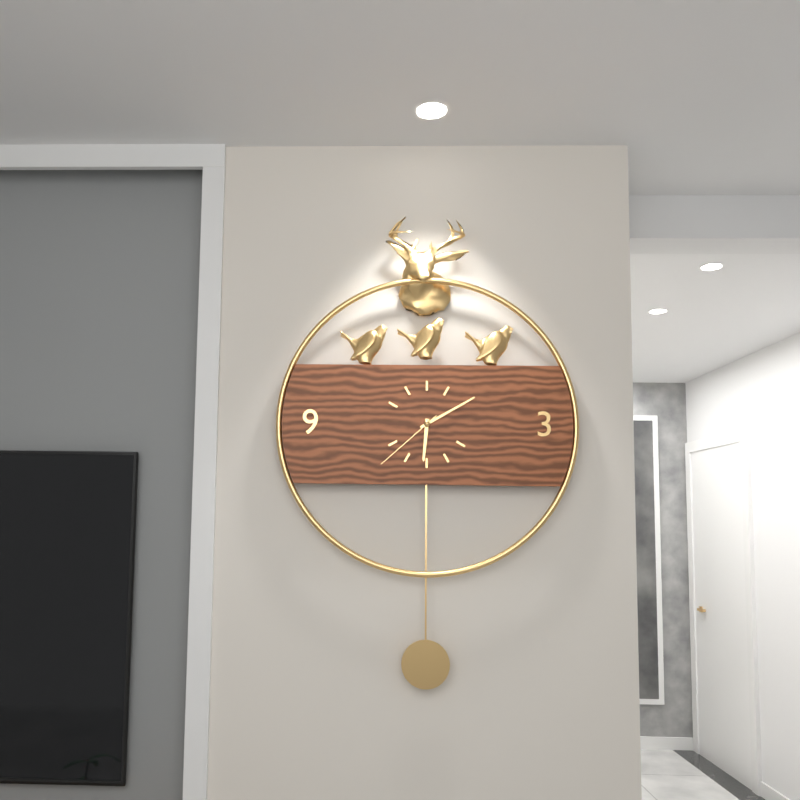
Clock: 6.10.38
